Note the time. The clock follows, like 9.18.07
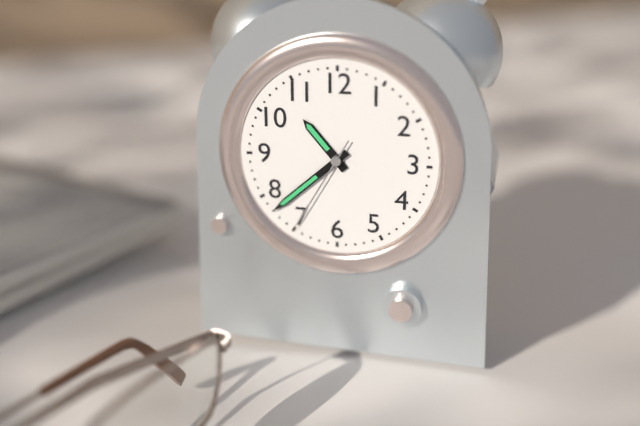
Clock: 10.38.35
